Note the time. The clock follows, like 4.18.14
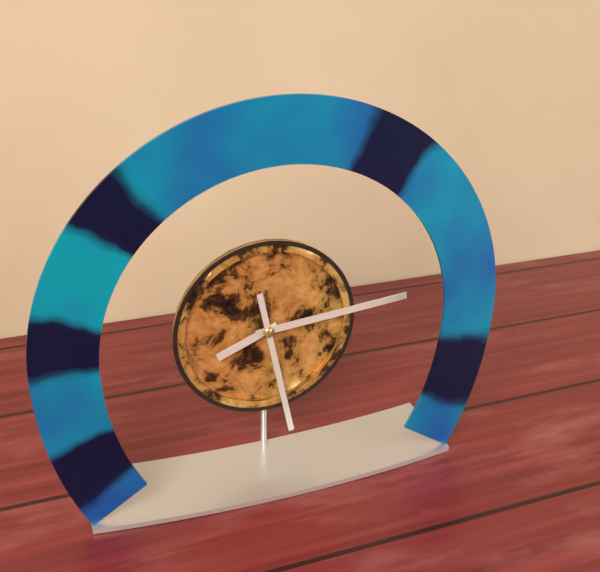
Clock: 8.14.28
